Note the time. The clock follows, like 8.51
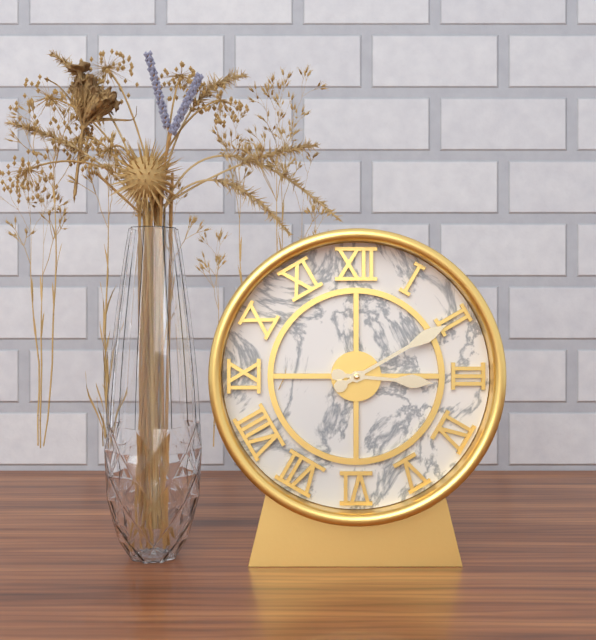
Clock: 3.10
